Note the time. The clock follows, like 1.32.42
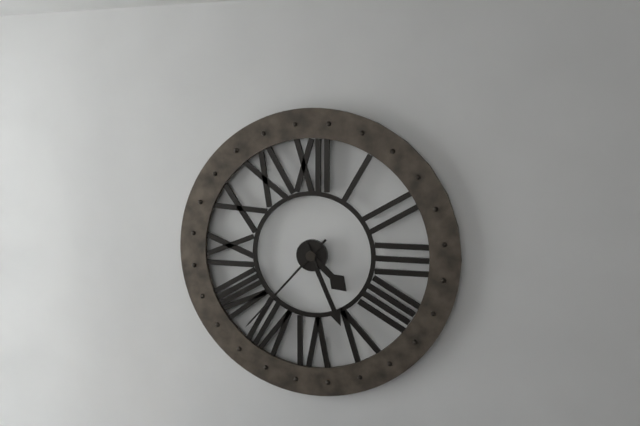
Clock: 4.26.37
